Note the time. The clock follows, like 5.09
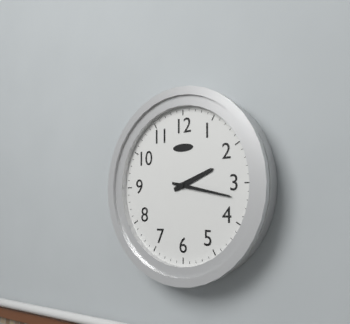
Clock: 2.17
